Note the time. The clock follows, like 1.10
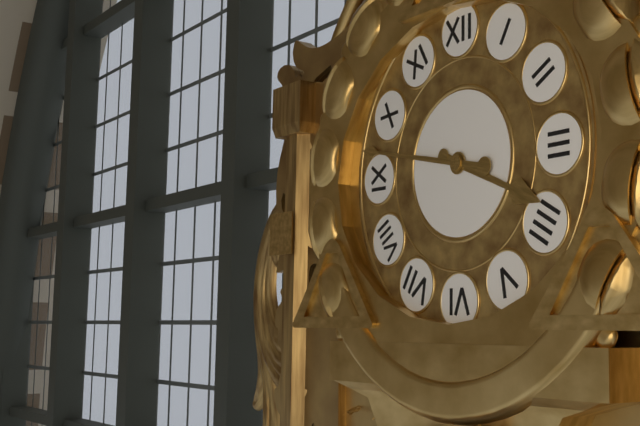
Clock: 3.47
